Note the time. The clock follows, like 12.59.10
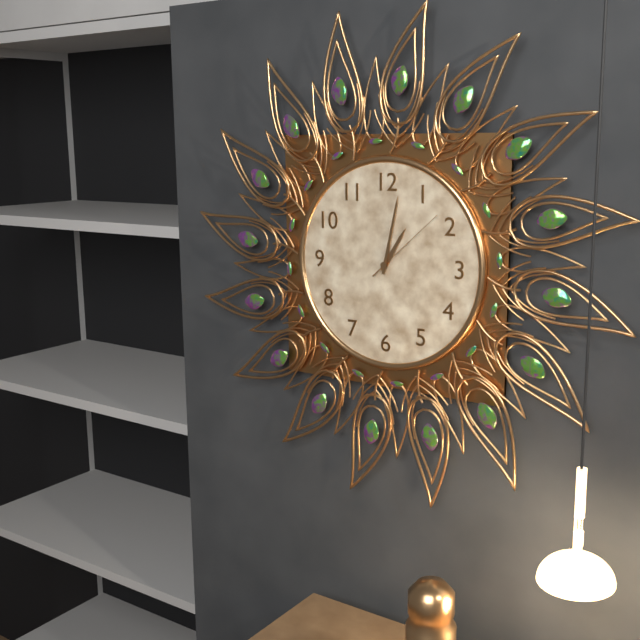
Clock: 1.02.08
